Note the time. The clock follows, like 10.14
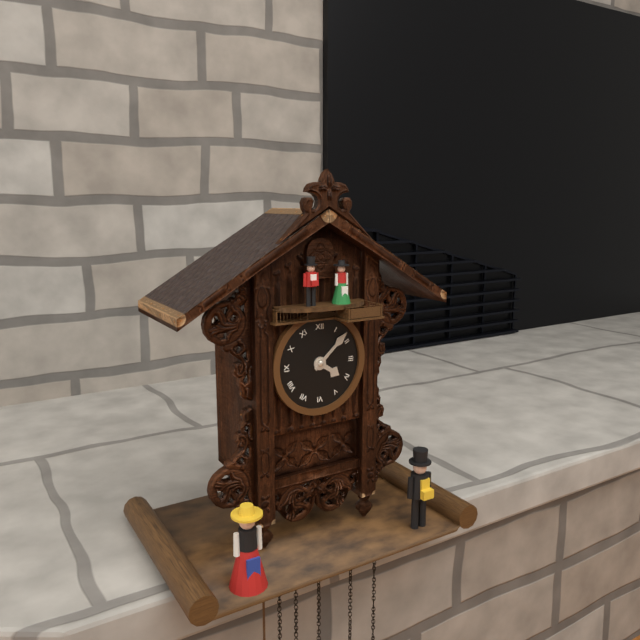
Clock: 4.08
